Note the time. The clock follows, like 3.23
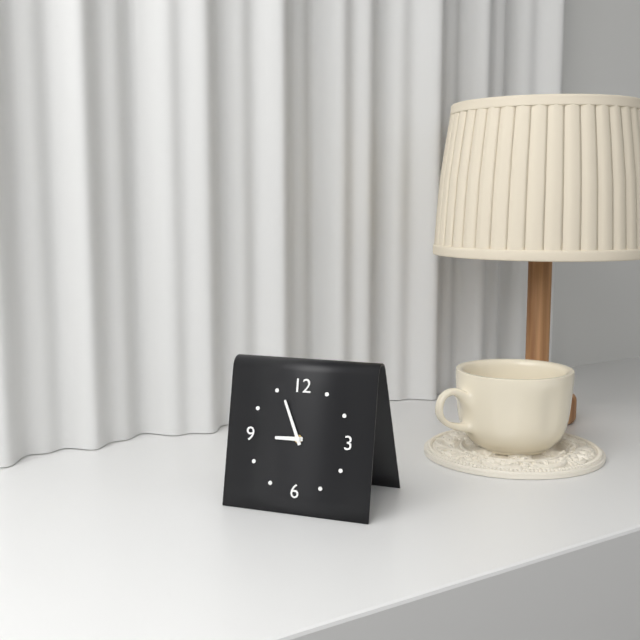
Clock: 8.56
